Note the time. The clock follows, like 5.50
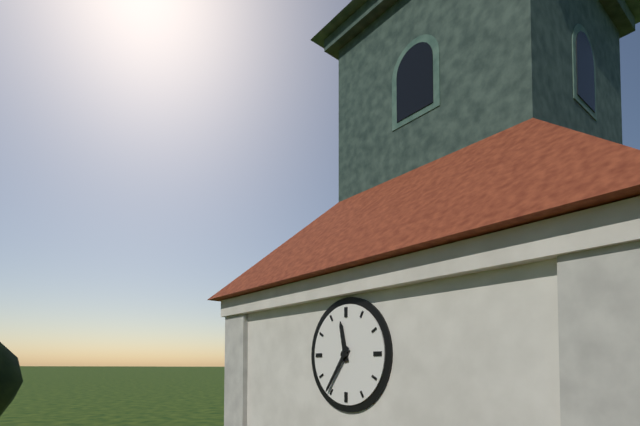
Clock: 11.36
